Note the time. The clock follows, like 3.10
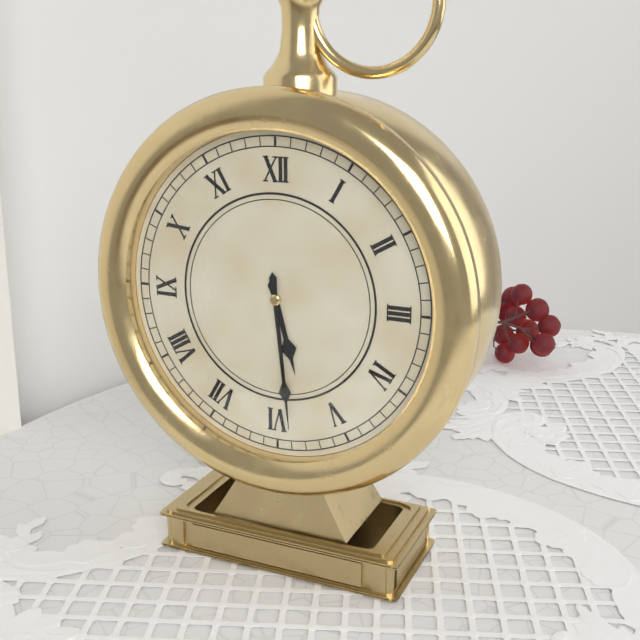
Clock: 5.29
